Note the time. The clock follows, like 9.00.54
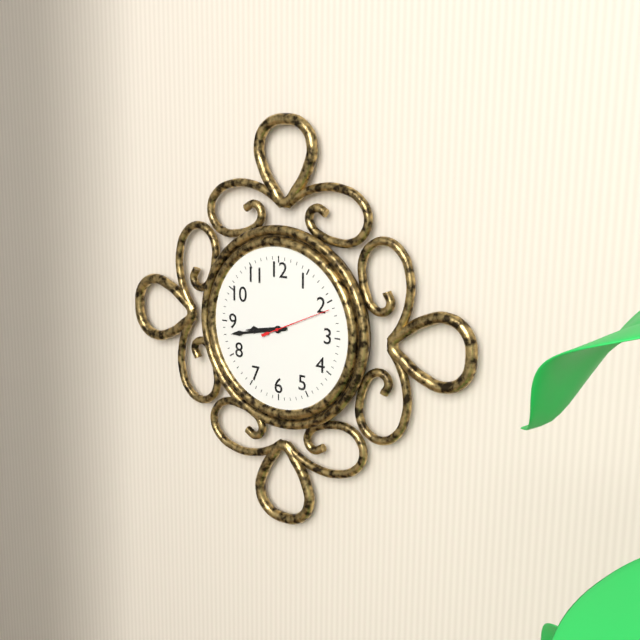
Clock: 8.43.11
